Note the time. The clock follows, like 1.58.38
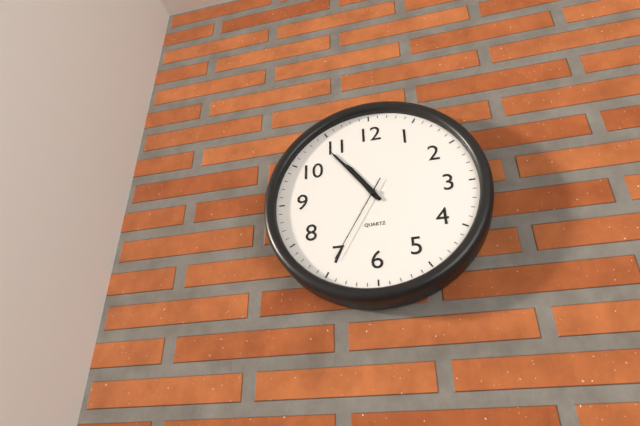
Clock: 10.54.35
